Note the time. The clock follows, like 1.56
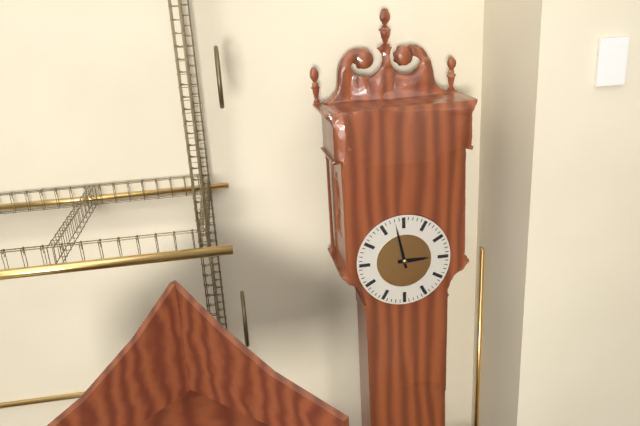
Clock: 2.58
